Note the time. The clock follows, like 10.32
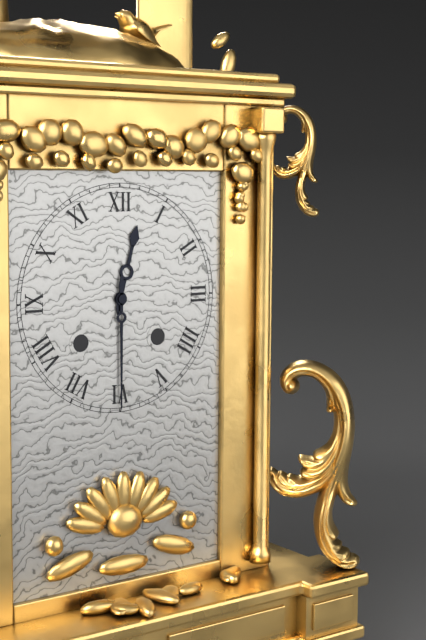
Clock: 12.30
